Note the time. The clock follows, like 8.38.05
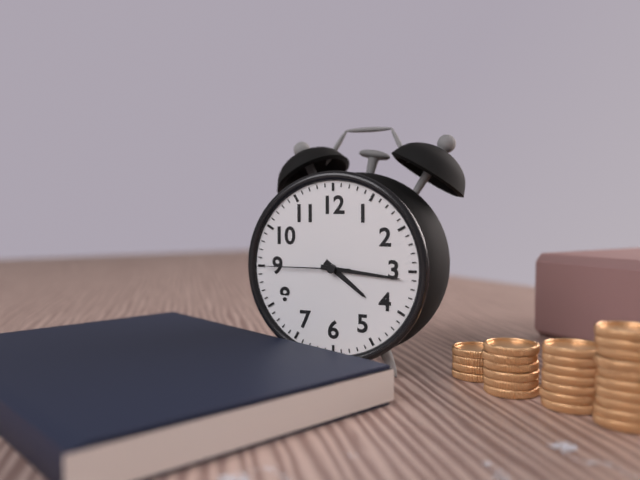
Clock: 4.16.45
